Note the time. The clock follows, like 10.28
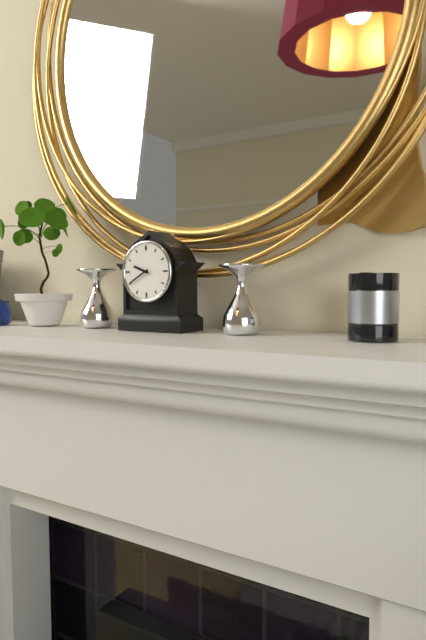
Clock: 9.40
